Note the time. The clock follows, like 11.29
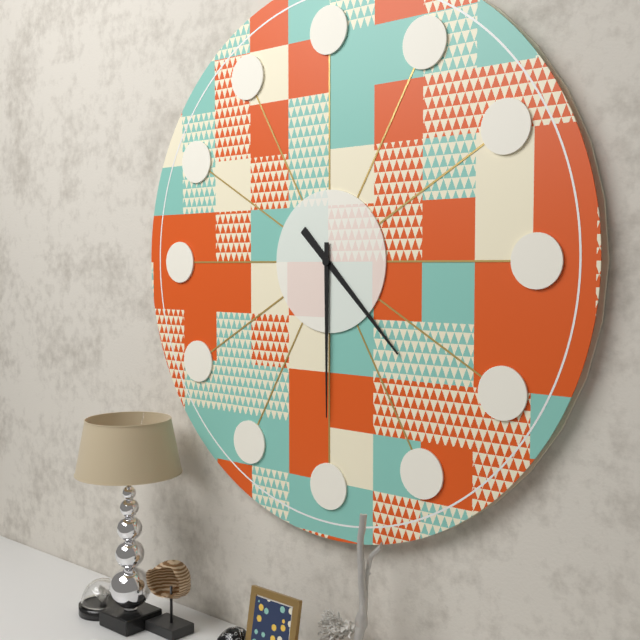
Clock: 4.30
